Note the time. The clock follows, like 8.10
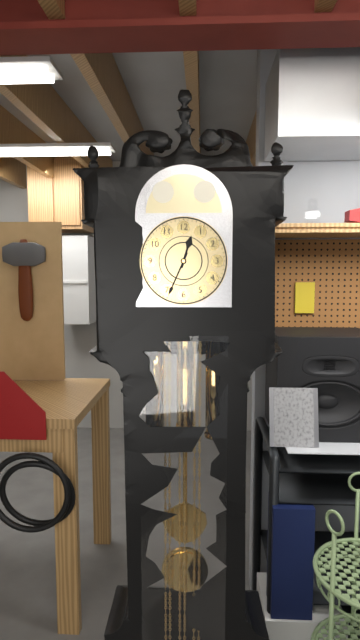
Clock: 12.34
